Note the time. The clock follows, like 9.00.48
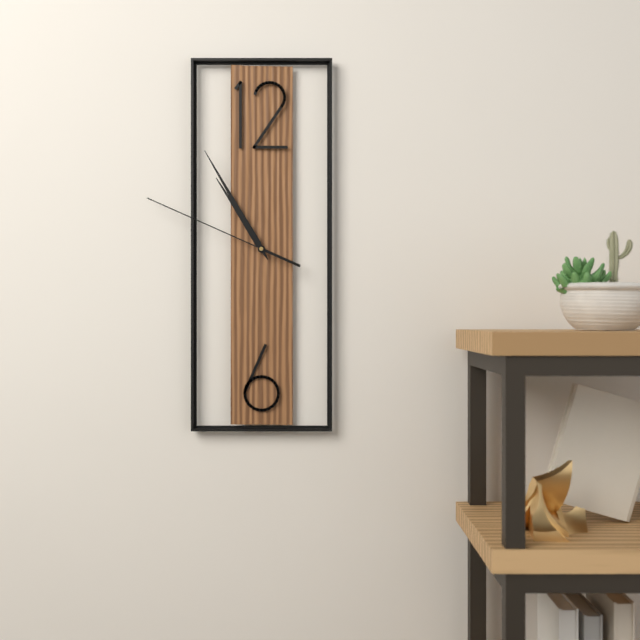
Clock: 10.55.49
